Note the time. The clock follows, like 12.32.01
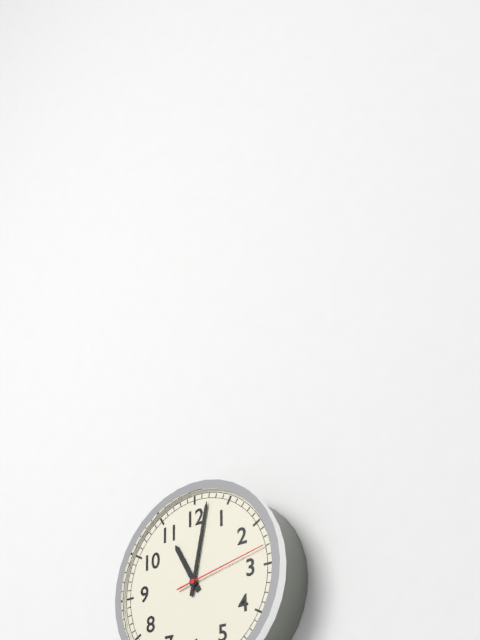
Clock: 11.02.13
